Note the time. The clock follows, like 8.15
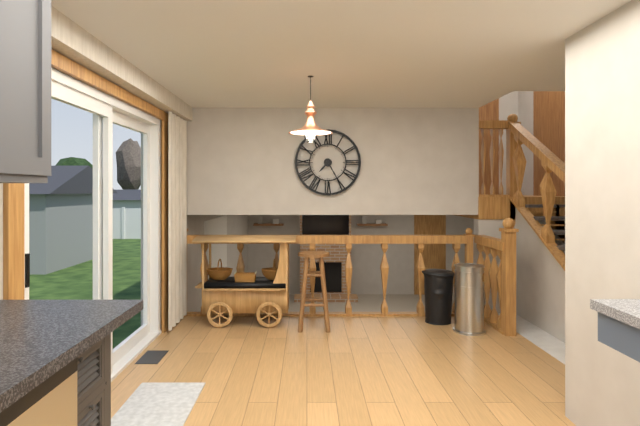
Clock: 7.25
